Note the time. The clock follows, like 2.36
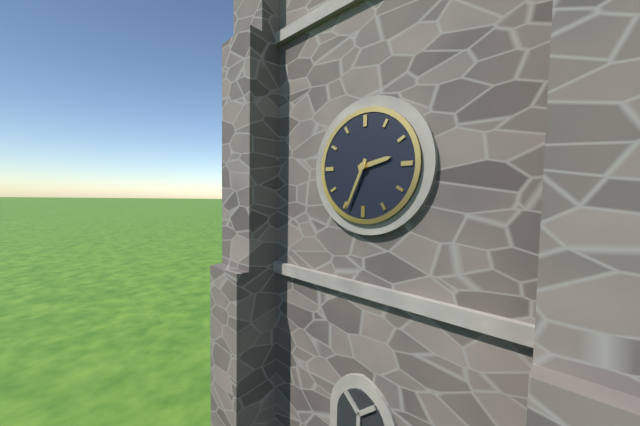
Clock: 2.34
